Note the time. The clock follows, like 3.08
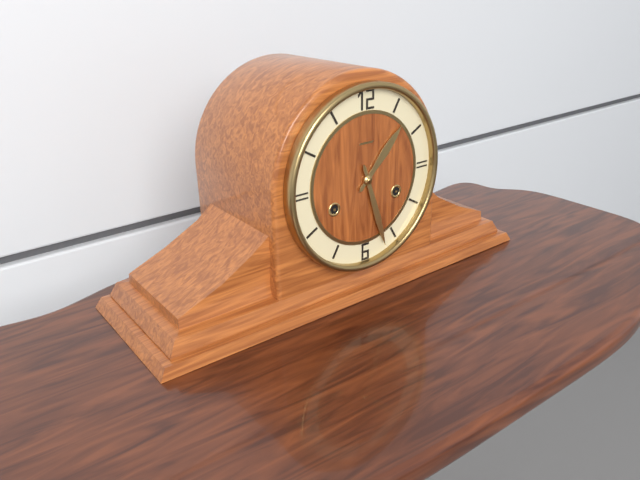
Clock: 1.27
